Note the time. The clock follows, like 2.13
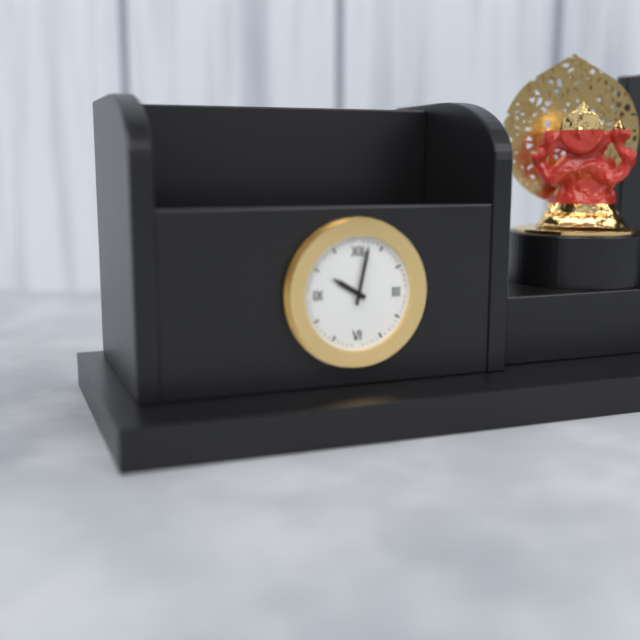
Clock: 10.02
